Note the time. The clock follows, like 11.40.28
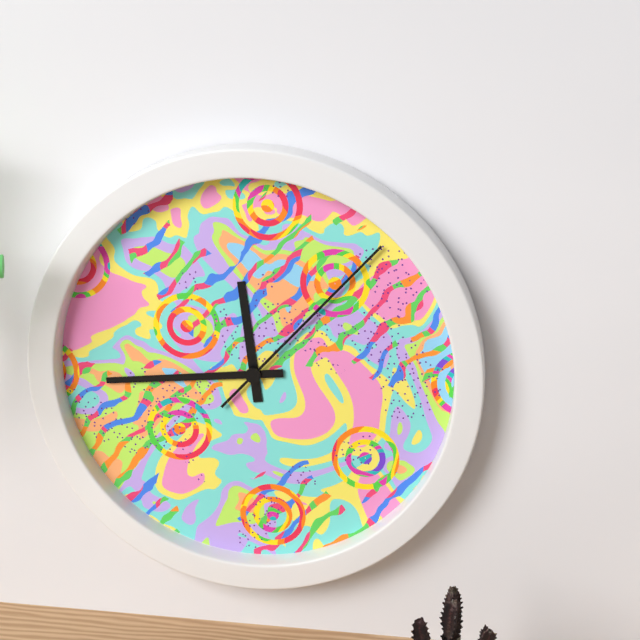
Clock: 11.44.07
